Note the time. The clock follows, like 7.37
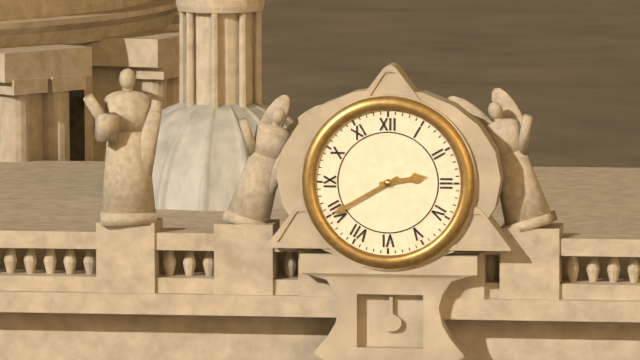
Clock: 2.40
